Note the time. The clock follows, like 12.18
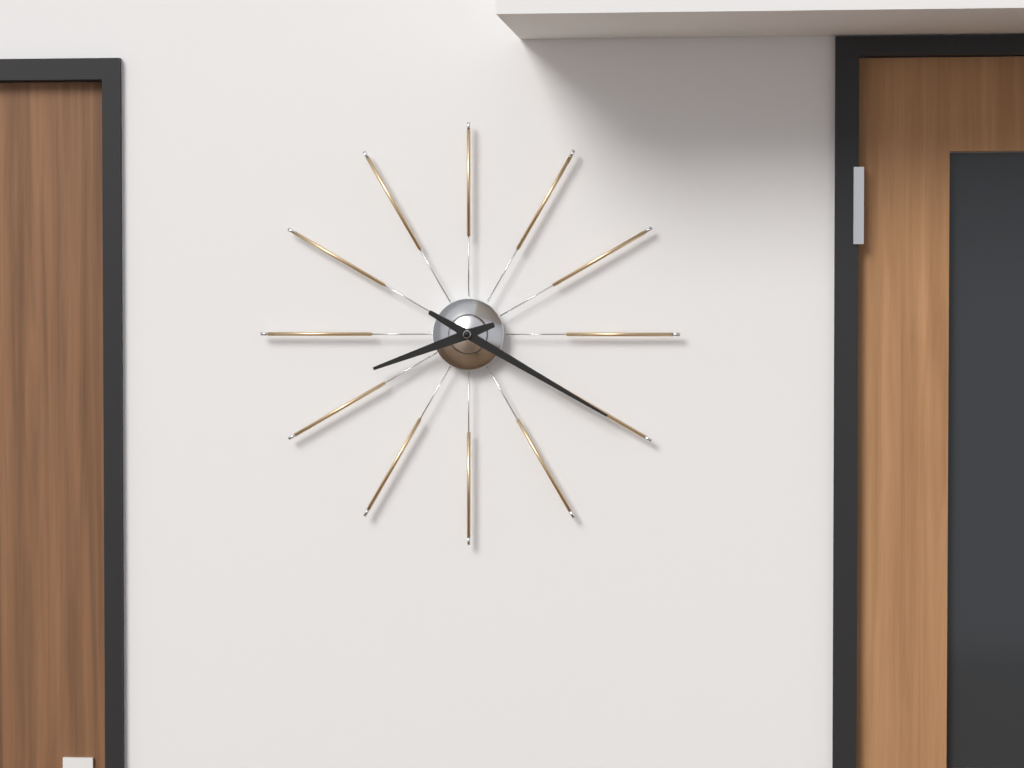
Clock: 8.20
